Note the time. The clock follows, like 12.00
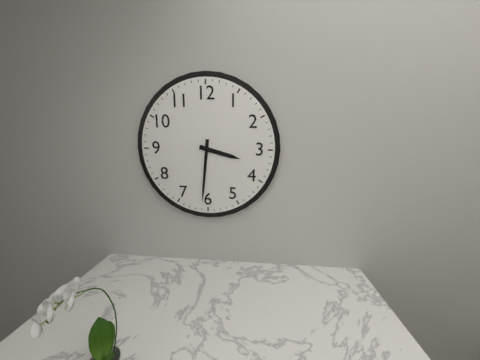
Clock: 3.31
